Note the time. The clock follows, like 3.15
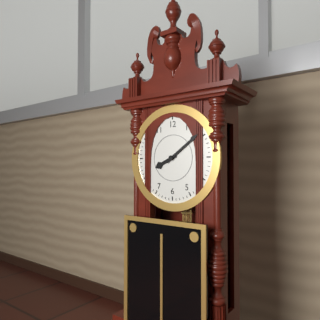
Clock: 8.09
